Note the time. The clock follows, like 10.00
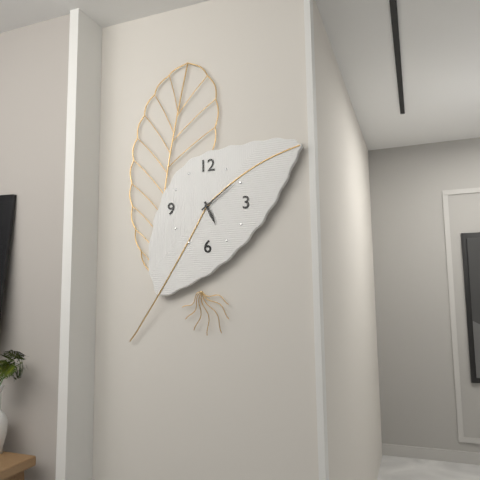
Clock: 5.09
